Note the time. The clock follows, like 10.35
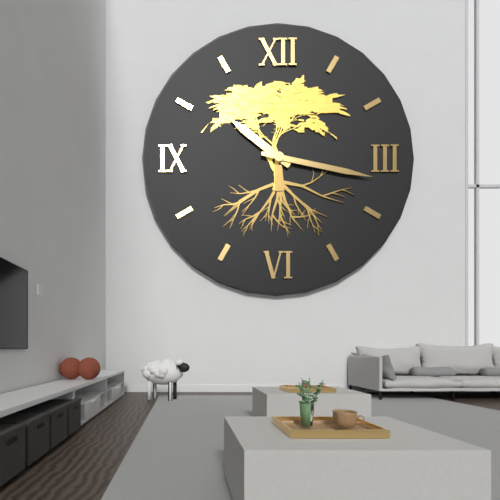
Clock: 10.17
